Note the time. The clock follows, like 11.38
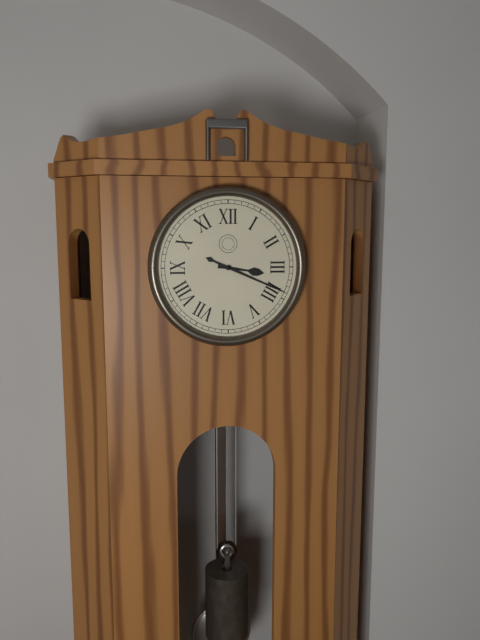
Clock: 3.19
